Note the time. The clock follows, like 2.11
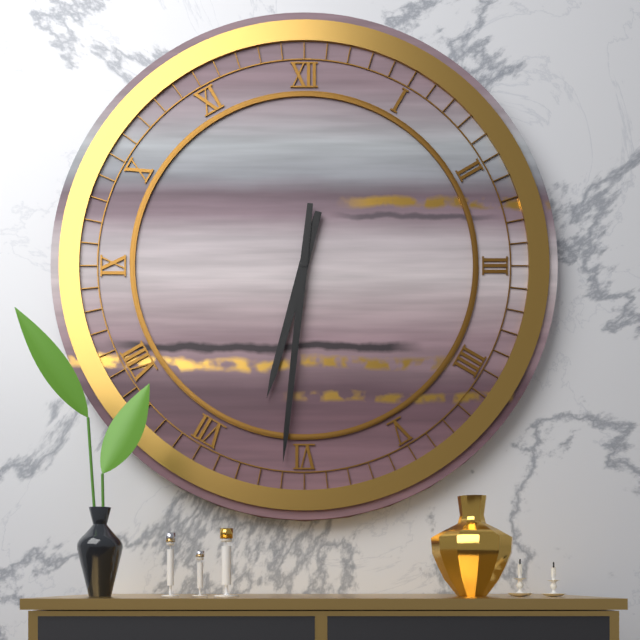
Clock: 6.31
